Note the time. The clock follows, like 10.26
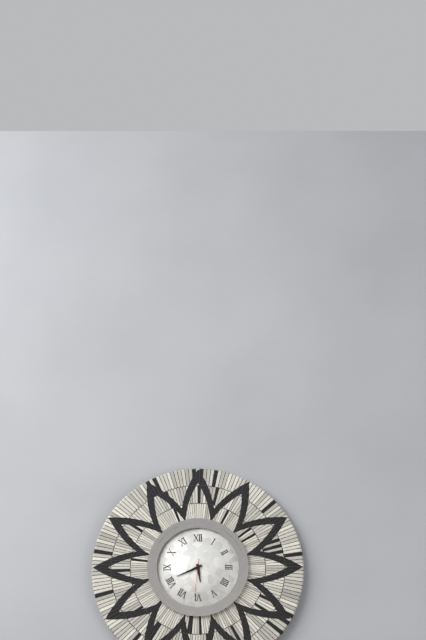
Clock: 5.41
